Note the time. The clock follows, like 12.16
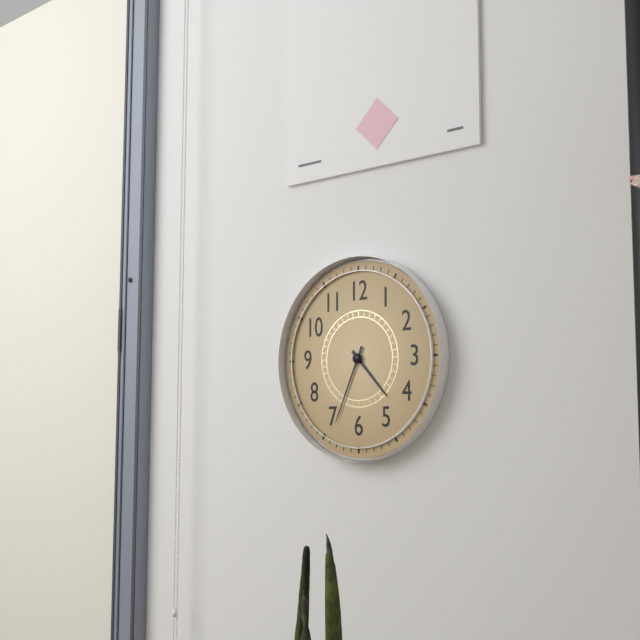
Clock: 4.34
